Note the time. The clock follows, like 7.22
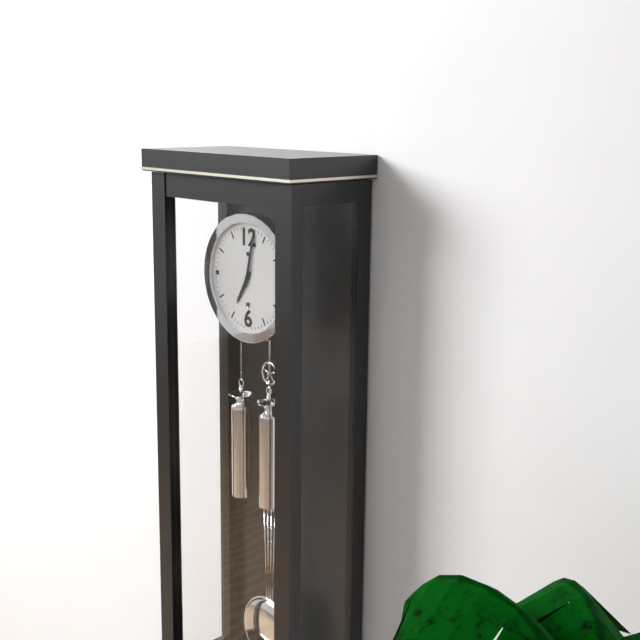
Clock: 7.02
